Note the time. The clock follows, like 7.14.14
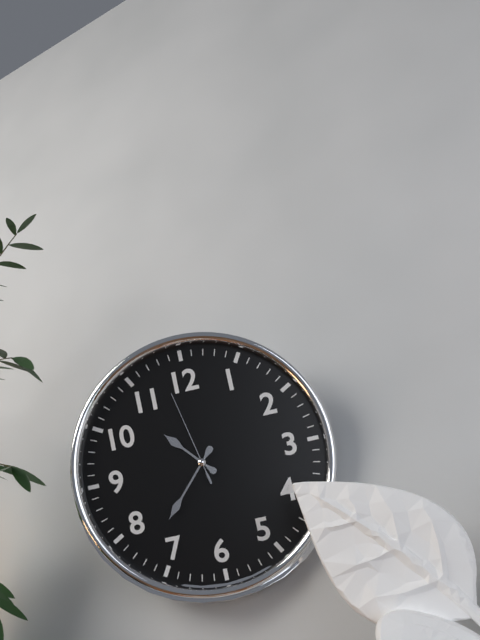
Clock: 10.37.58
